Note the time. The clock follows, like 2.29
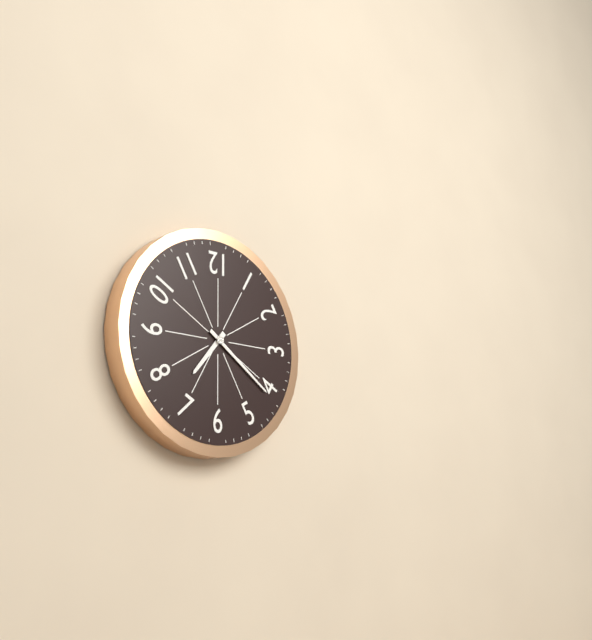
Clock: 7.21
